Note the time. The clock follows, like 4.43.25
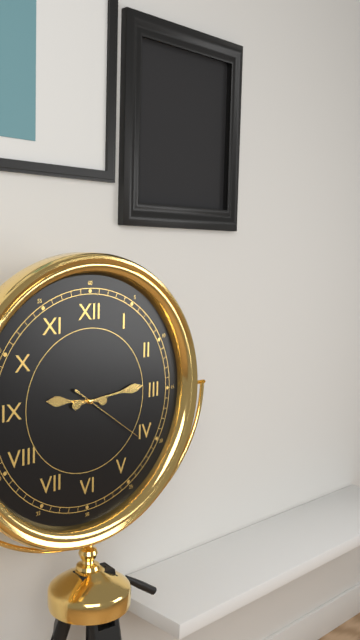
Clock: 9.14.21
